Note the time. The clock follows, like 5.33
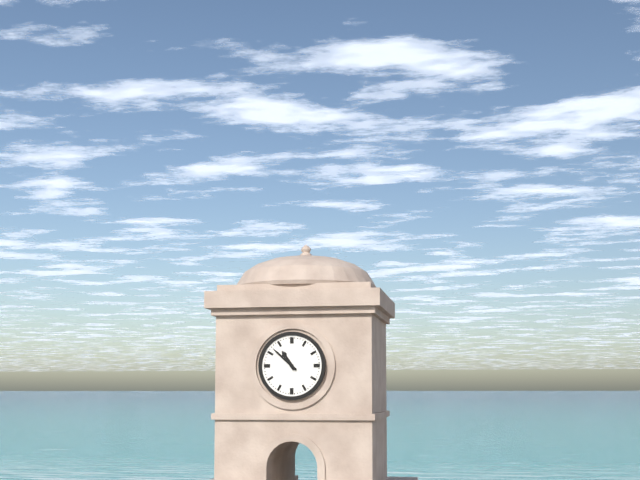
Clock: 10.52
